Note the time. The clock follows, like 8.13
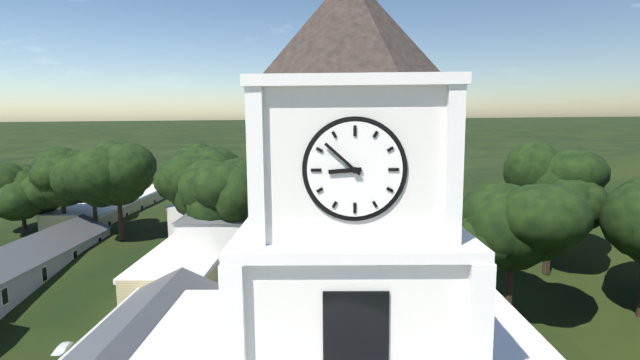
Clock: 8.52
